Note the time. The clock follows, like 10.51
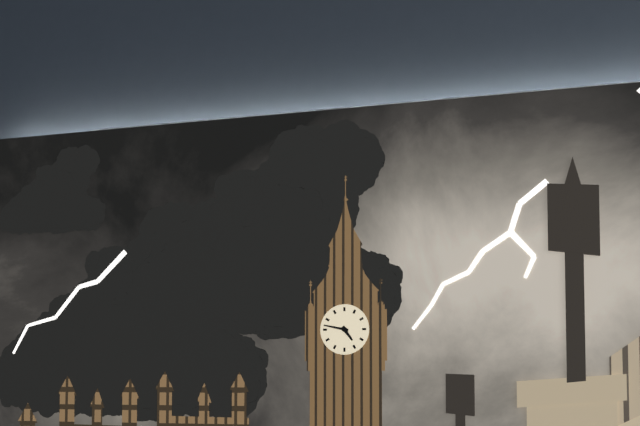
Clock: 4.47
